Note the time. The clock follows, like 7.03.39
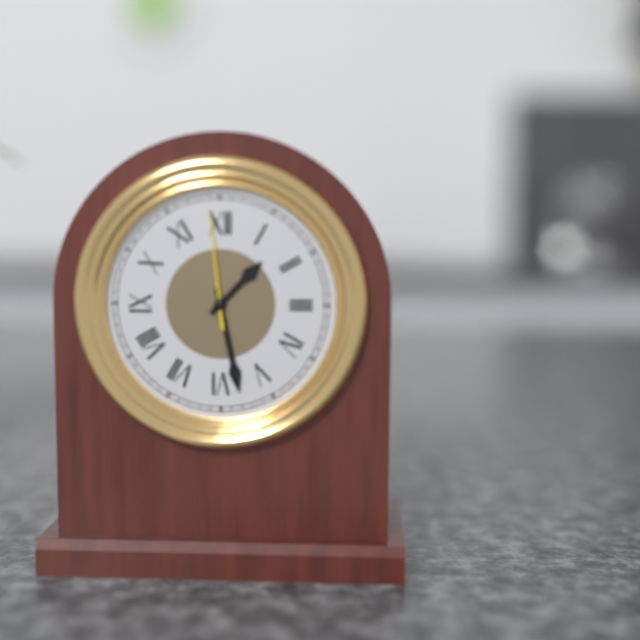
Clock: 1.28.59
